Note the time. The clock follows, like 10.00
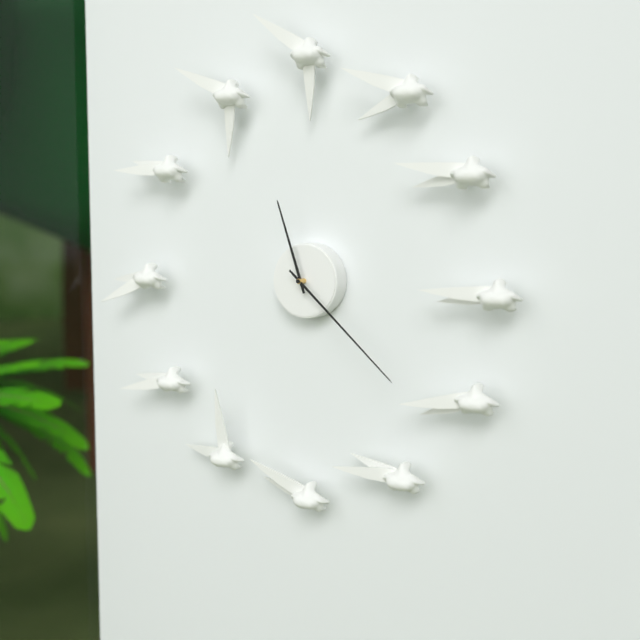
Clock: 11.22
